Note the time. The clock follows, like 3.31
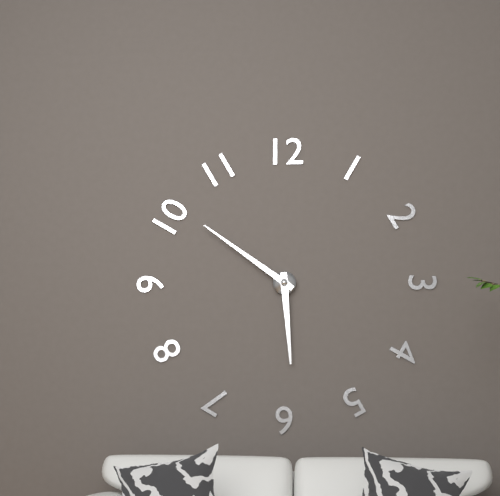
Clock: 5.51
